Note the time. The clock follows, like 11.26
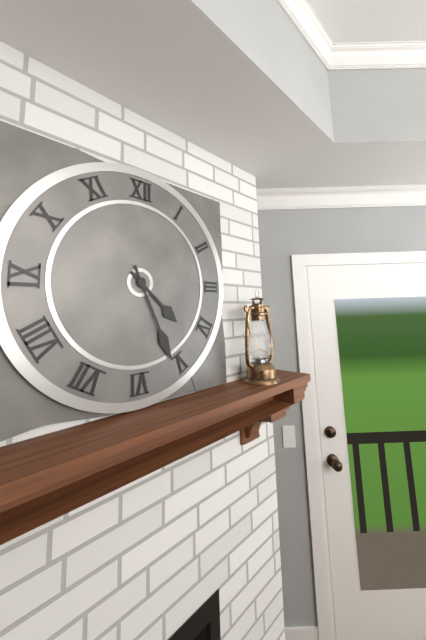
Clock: 4.26
